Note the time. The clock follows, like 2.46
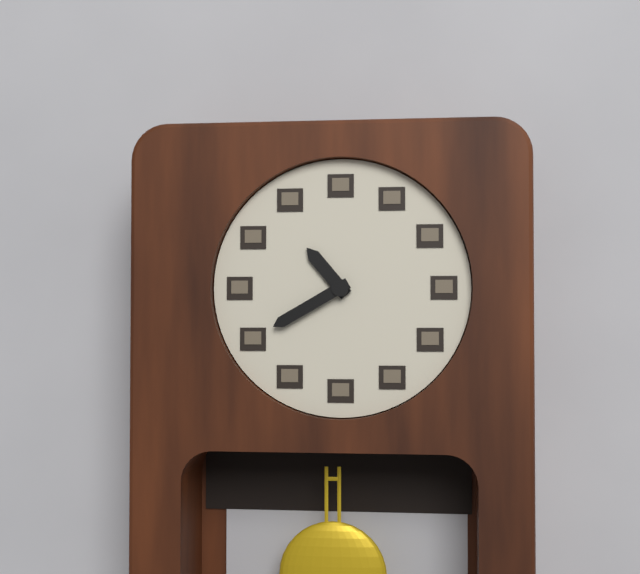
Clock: 10.40
